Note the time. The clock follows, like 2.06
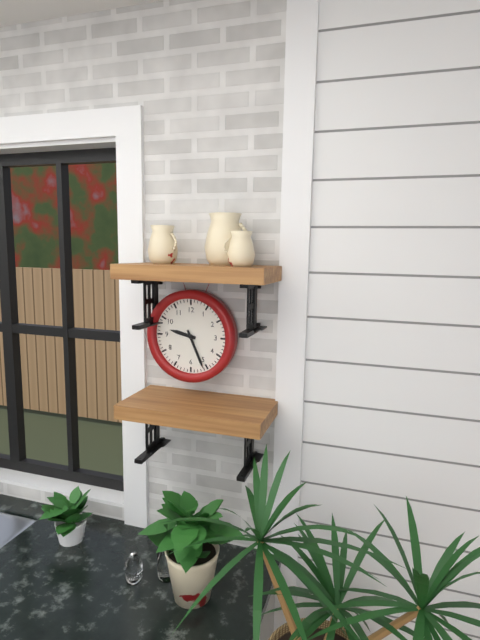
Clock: 9.26
